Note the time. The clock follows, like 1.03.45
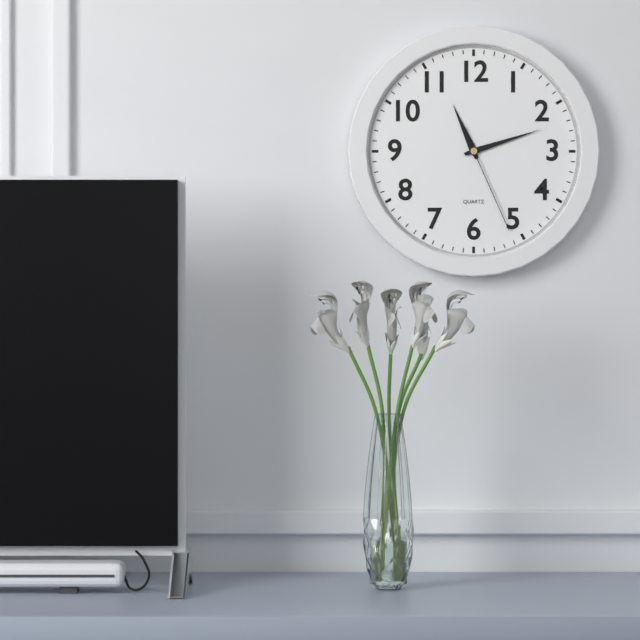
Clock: 11.12.26
